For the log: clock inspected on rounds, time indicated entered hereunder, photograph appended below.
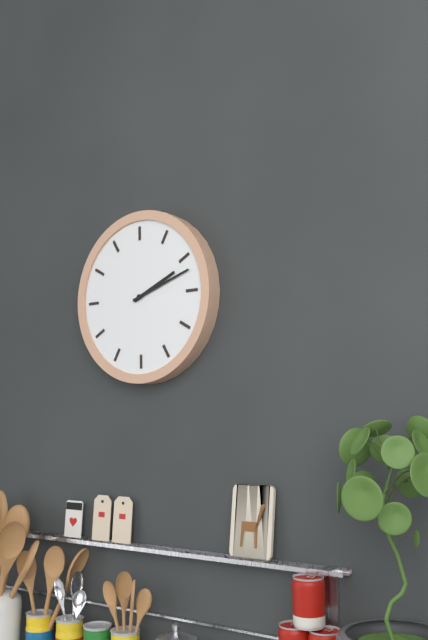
2:12
